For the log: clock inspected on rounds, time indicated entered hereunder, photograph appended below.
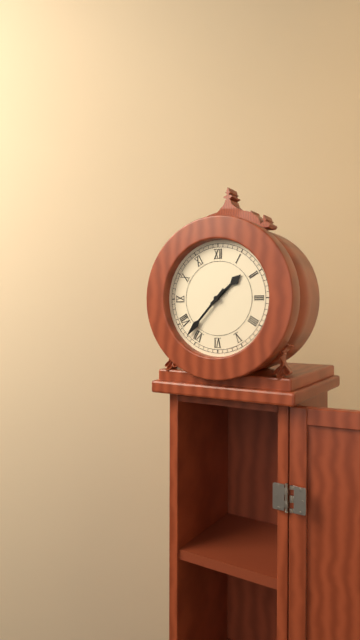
1:37
